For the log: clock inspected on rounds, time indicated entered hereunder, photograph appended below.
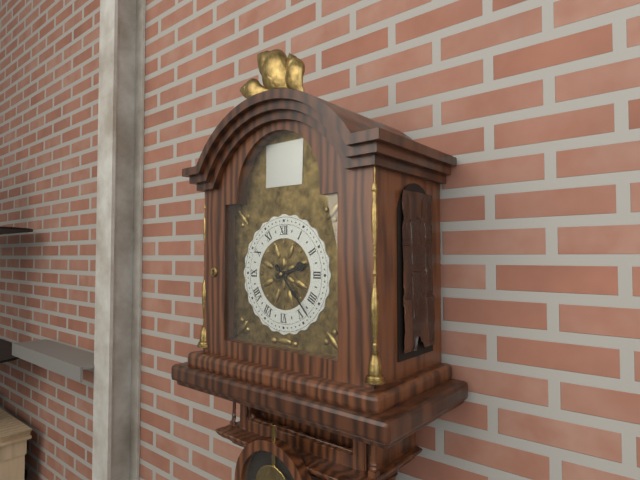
2:23
